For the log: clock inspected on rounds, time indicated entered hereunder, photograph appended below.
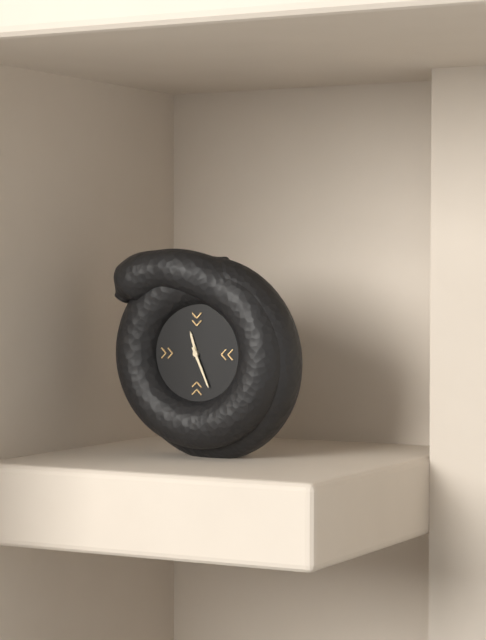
11:26
